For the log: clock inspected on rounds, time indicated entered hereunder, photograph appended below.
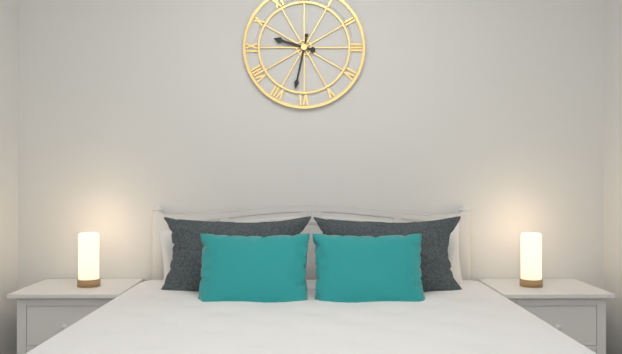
9:32
